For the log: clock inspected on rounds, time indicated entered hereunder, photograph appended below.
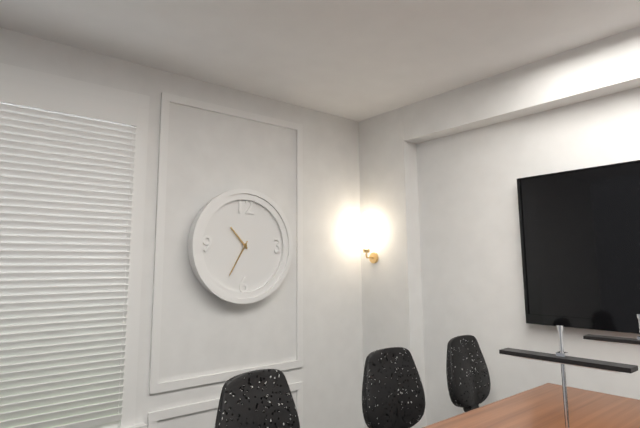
10:35
